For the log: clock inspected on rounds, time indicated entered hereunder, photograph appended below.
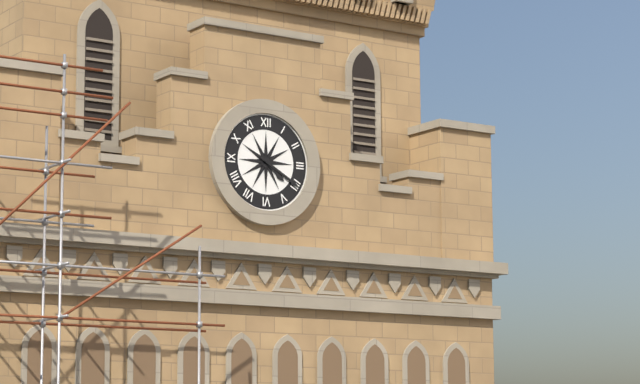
4:20
